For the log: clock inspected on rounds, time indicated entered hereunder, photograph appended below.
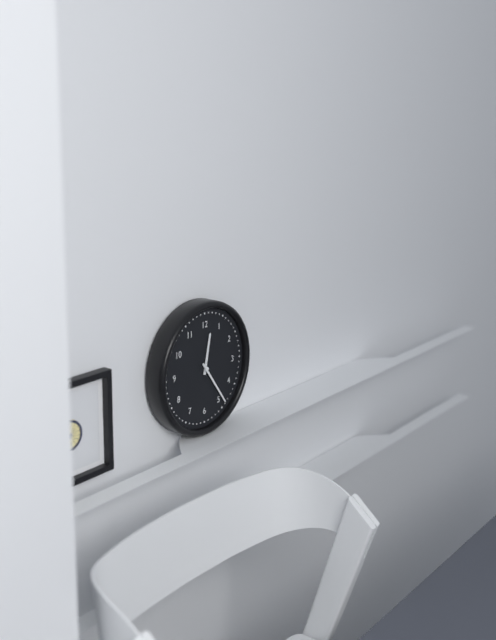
12:24
